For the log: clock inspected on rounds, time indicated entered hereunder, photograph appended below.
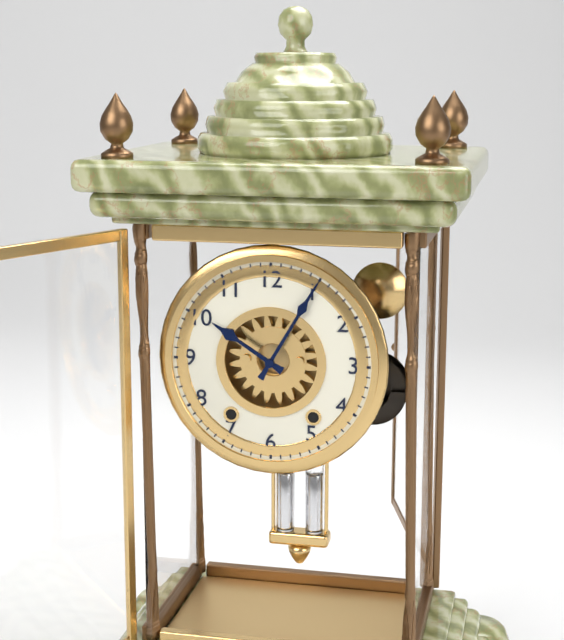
10:05
